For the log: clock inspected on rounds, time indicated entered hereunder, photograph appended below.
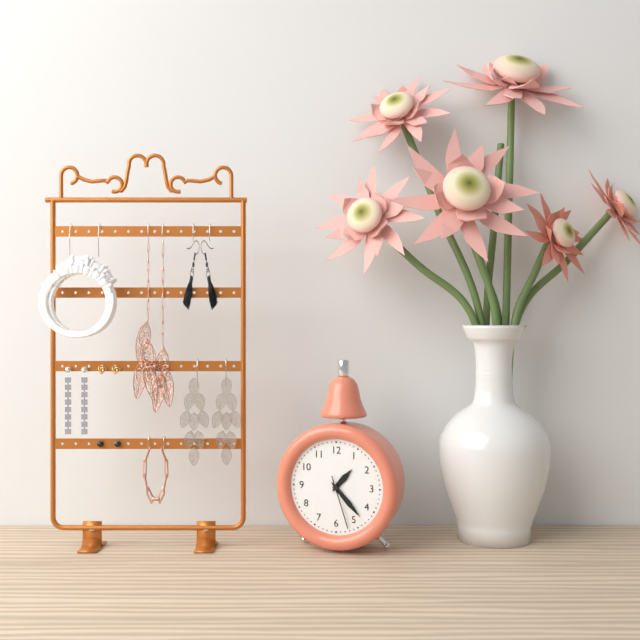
1:23:27
